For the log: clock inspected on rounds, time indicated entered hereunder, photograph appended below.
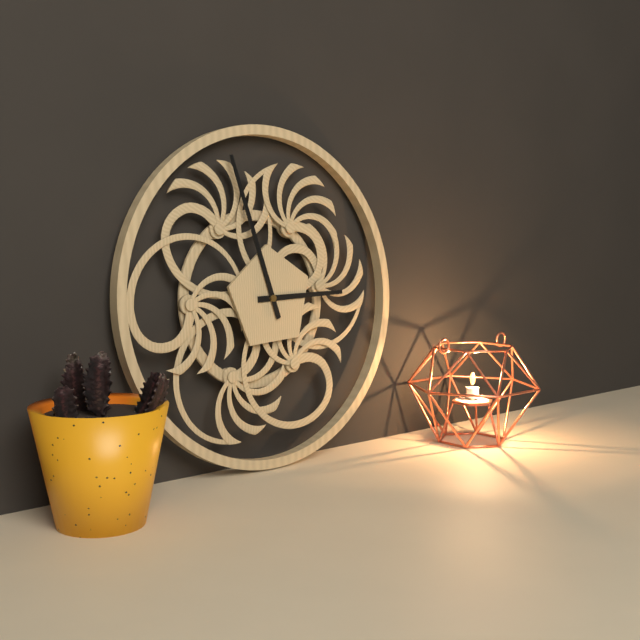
2:57
